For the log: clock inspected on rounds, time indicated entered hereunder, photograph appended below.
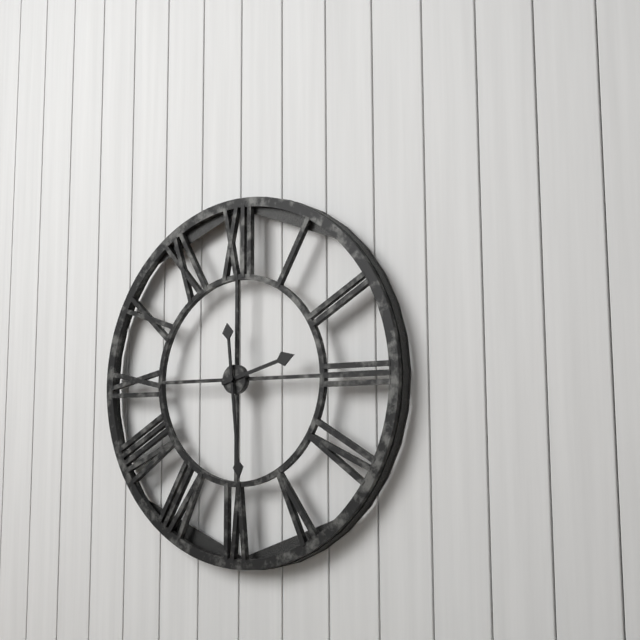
2:29
